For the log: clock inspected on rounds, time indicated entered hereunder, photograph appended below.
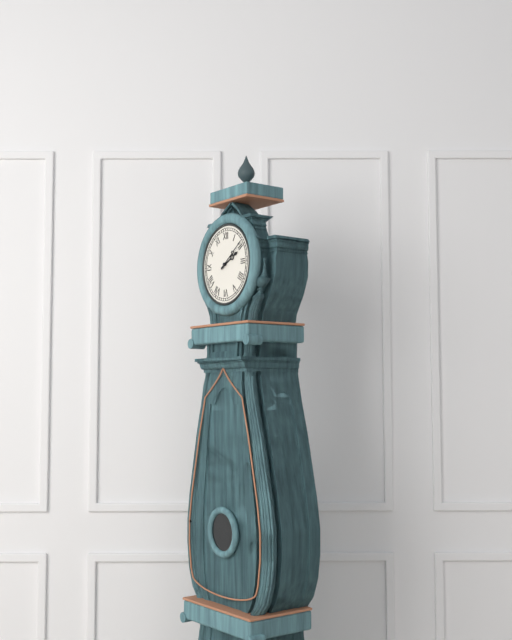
2:09
